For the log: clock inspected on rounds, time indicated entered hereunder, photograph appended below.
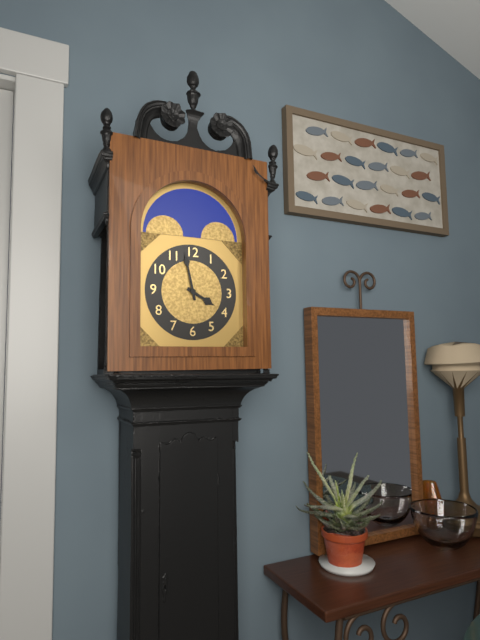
3:58
